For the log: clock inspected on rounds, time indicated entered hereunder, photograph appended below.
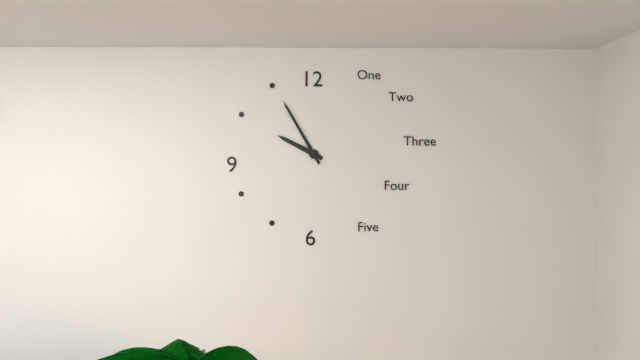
9:55
